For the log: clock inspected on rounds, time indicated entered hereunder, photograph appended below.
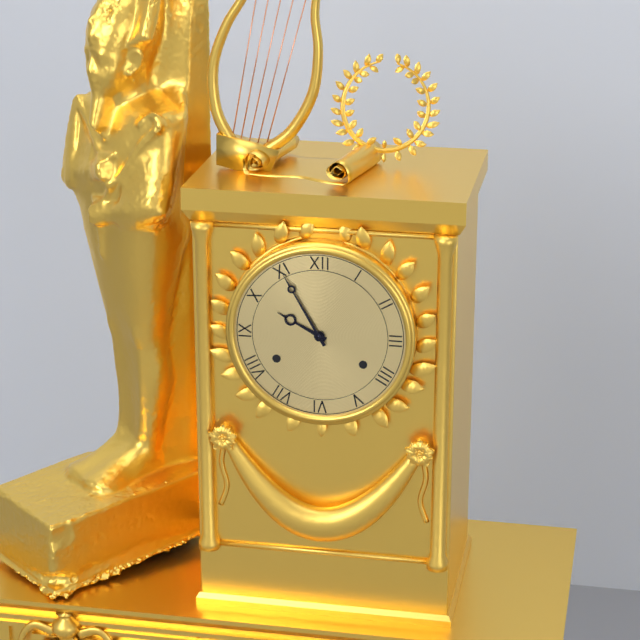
9:55
